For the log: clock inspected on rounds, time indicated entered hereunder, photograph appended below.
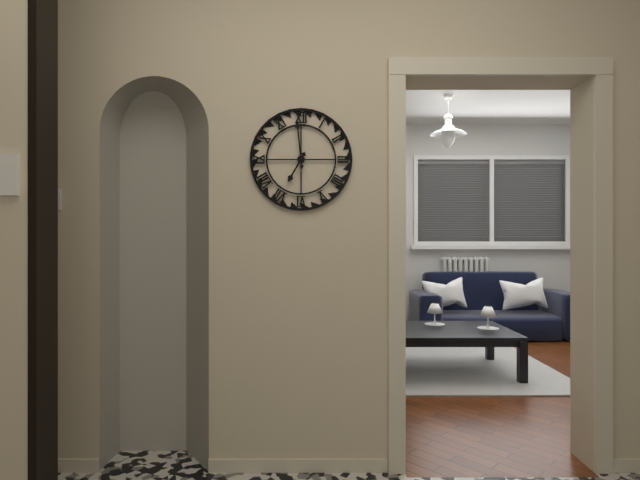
6:59
